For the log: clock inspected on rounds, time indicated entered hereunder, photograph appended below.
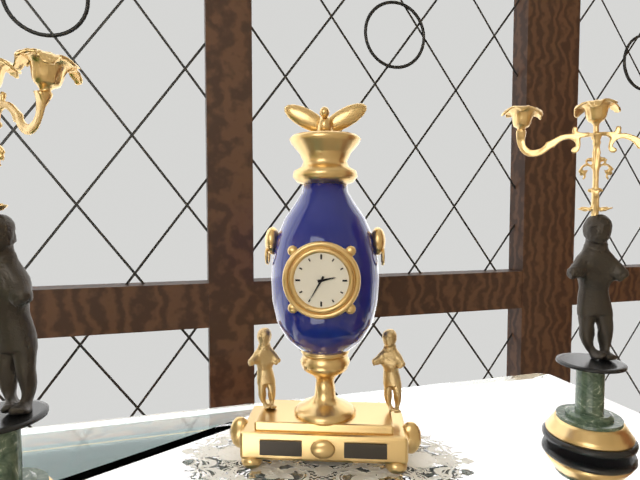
2:35
